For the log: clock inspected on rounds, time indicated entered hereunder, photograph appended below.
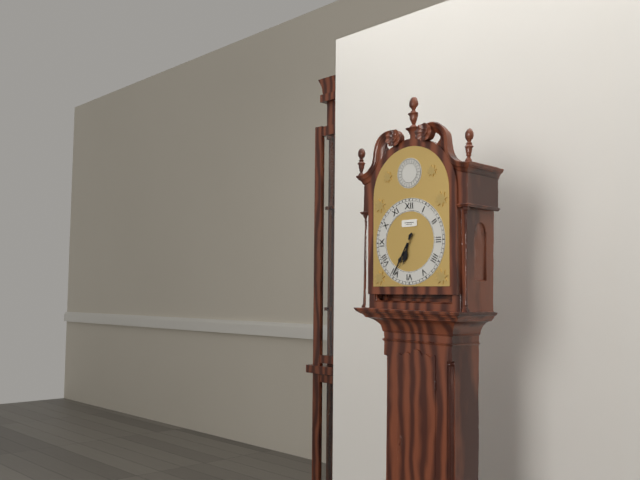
6:35
